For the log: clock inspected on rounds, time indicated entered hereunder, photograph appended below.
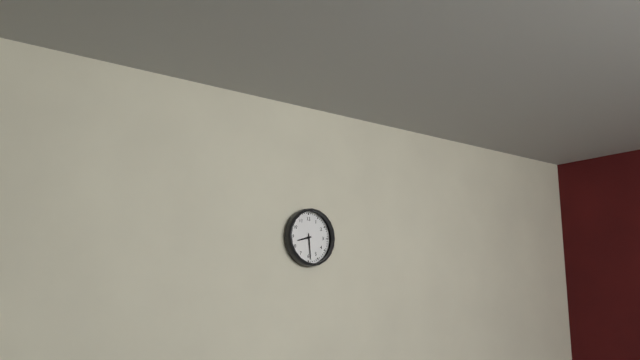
8:29
